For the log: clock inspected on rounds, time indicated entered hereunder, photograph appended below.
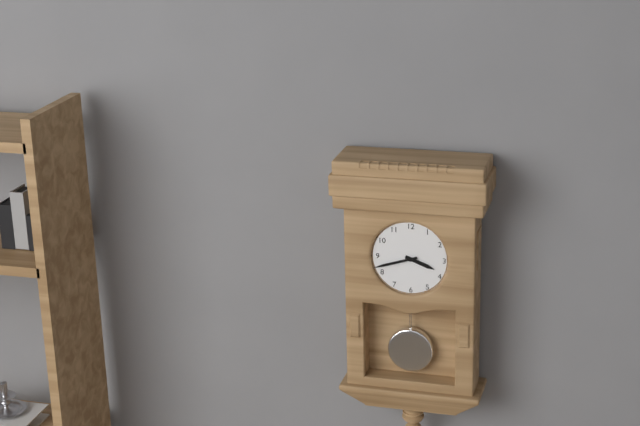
3:42
